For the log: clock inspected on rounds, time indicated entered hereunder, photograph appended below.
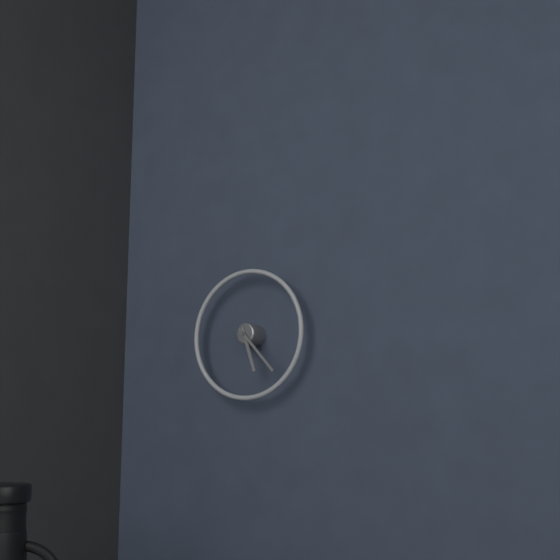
5:23
